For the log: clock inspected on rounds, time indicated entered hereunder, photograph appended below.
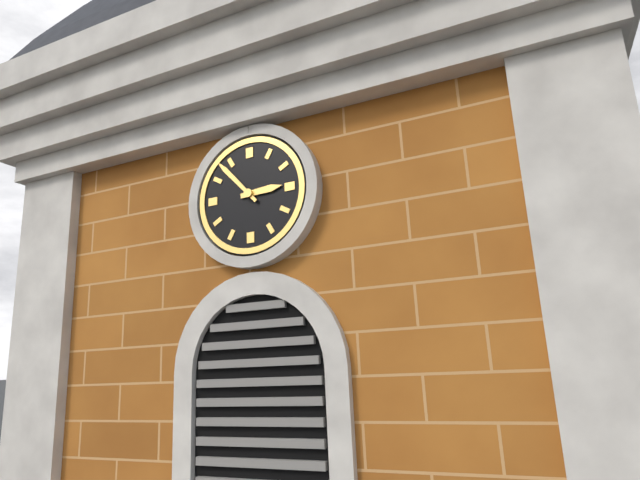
2:53
